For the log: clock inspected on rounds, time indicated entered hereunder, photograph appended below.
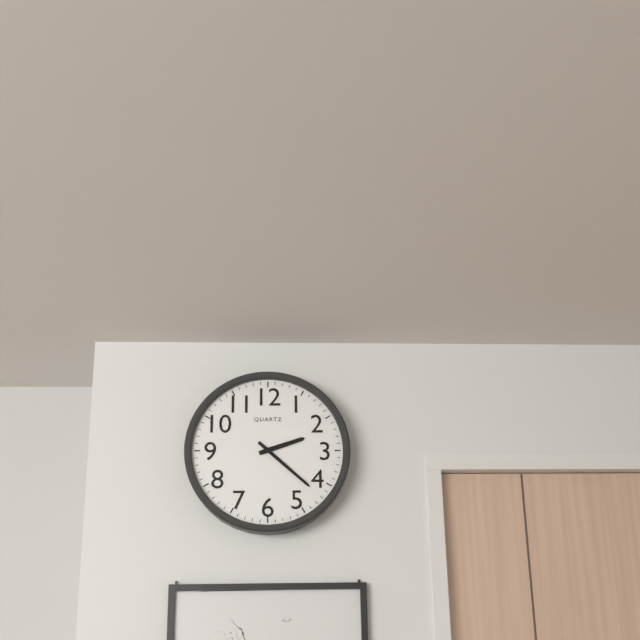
2:22
